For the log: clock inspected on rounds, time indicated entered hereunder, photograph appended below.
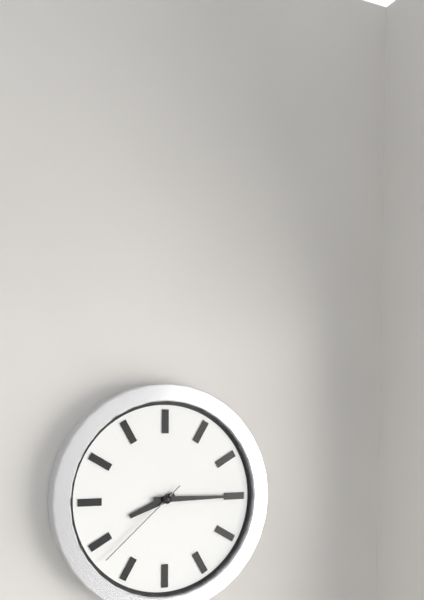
8:15:38
